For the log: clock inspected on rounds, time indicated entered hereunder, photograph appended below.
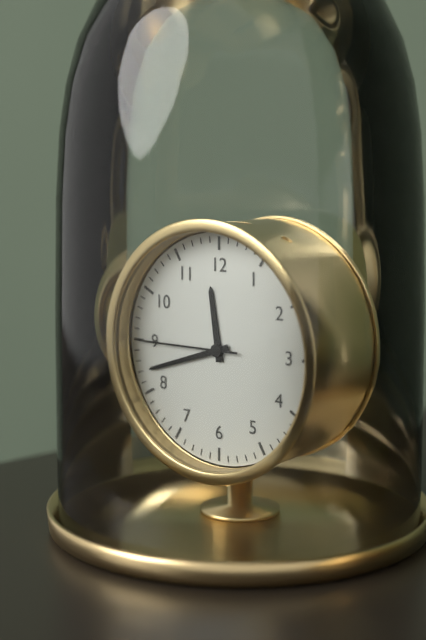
11:42:45
